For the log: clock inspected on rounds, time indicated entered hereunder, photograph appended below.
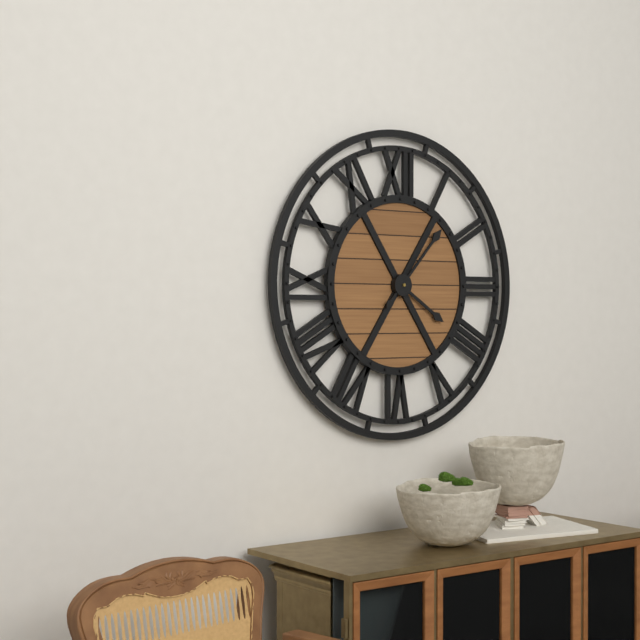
4:07
